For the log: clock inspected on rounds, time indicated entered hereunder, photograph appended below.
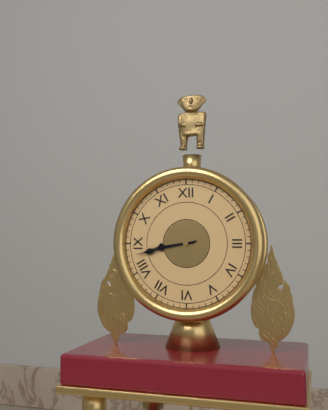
8:43
